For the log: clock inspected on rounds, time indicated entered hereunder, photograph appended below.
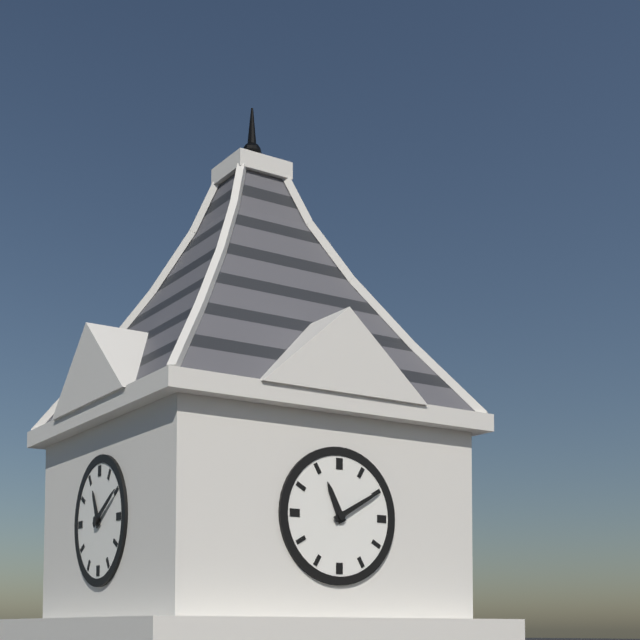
11:10
